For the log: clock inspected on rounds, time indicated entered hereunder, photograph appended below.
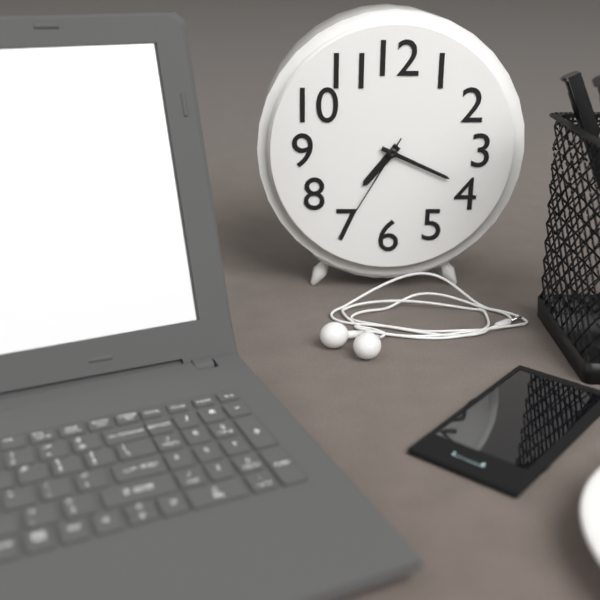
7:19:35
